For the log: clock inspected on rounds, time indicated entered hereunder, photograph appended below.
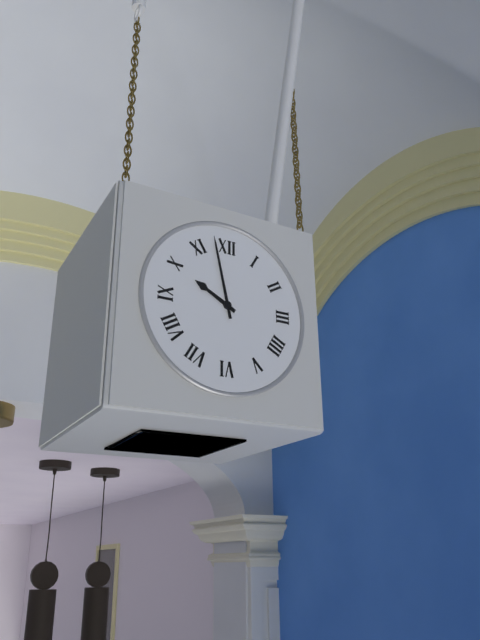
9:58
